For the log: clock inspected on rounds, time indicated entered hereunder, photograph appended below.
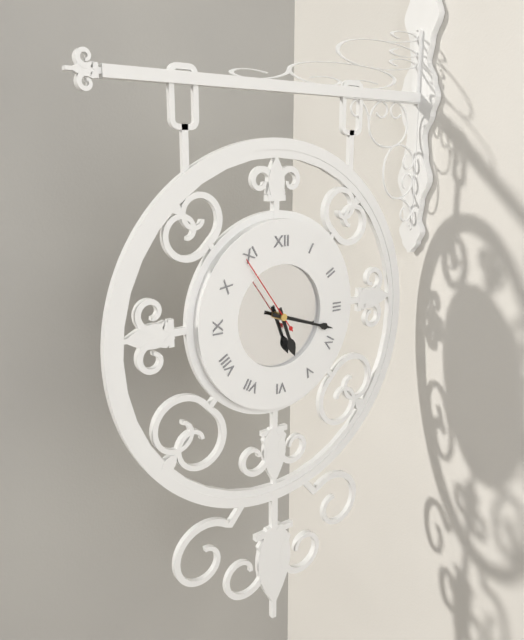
5:18:54
